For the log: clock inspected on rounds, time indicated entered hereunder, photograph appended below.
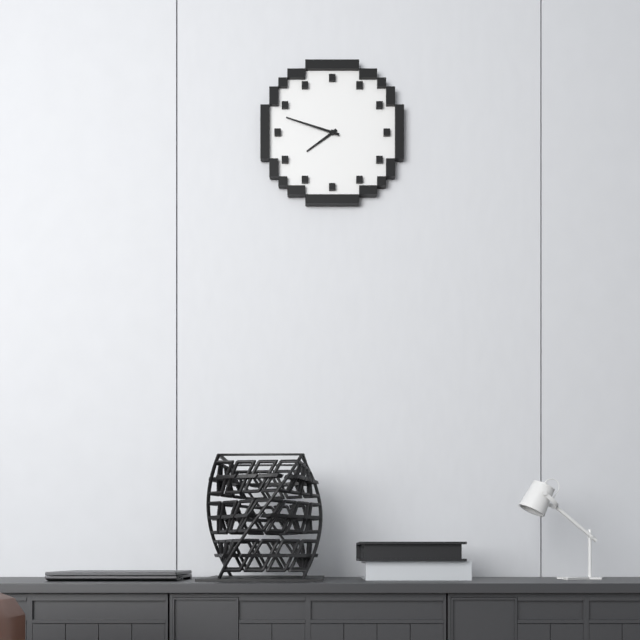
7:48
